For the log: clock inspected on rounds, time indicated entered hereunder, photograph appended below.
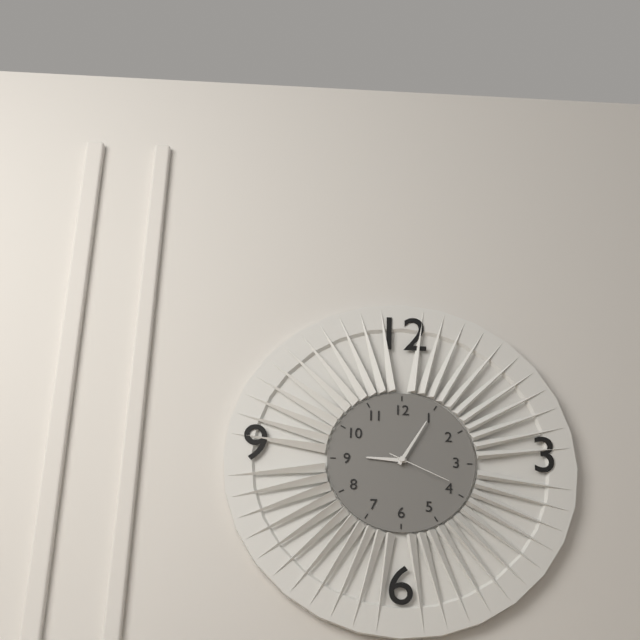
9:05:19
